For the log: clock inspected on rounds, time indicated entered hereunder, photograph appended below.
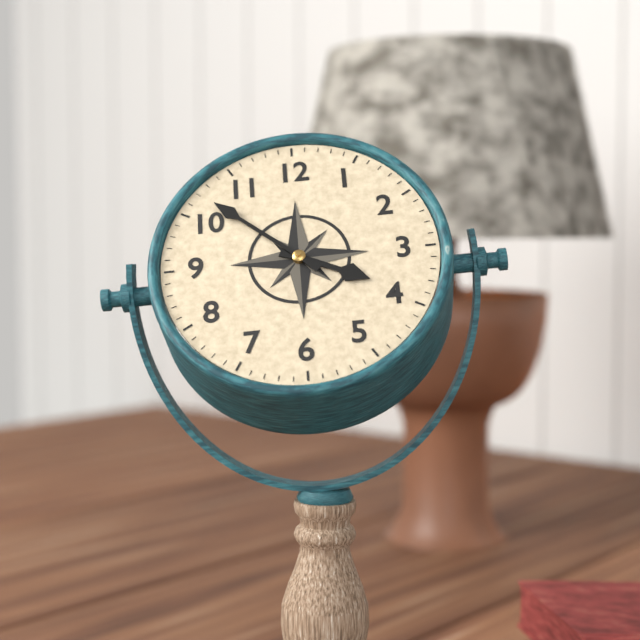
3:52
